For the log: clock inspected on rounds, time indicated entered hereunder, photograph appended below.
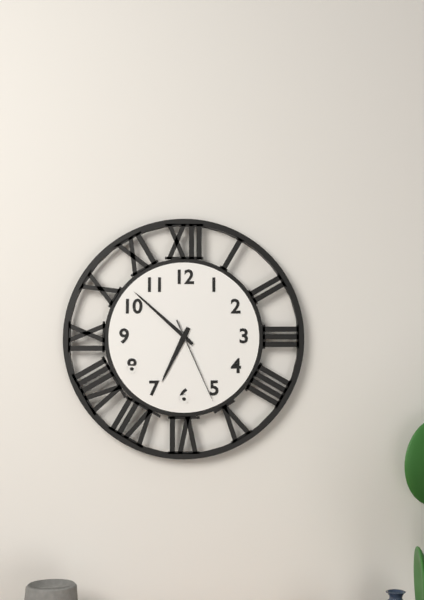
6:52:26
